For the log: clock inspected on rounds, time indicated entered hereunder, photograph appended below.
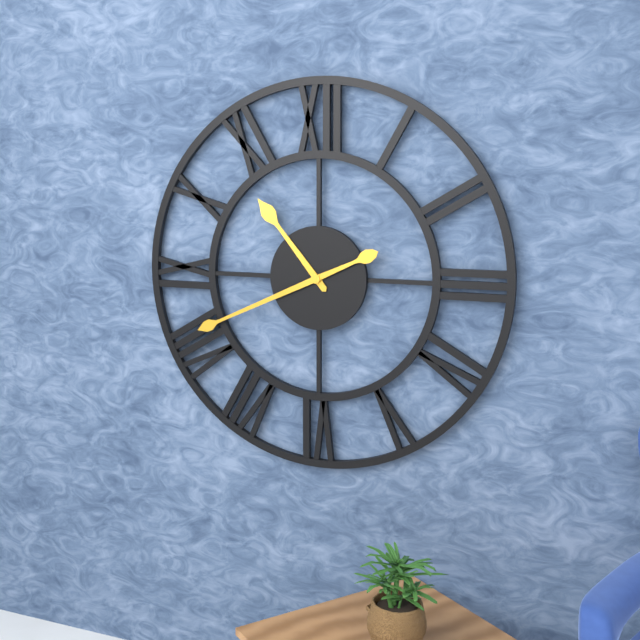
10:41
